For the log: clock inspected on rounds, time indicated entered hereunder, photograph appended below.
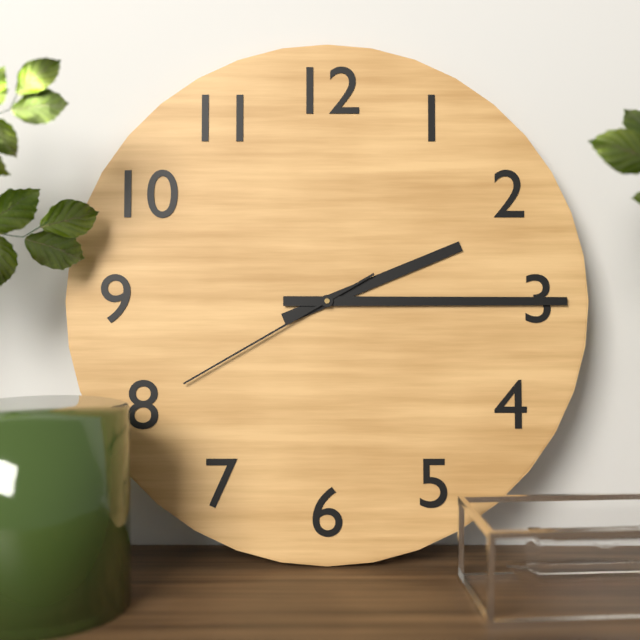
2:15:40
